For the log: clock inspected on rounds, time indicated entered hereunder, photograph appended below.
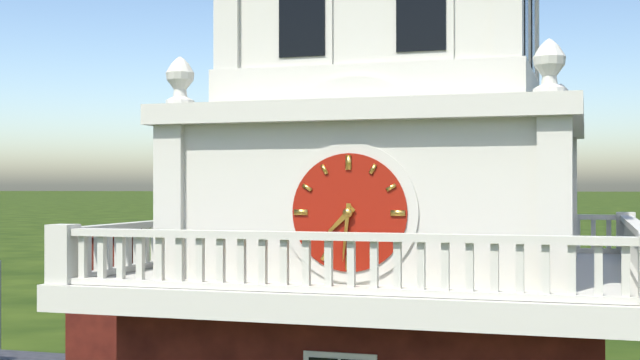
7:31
